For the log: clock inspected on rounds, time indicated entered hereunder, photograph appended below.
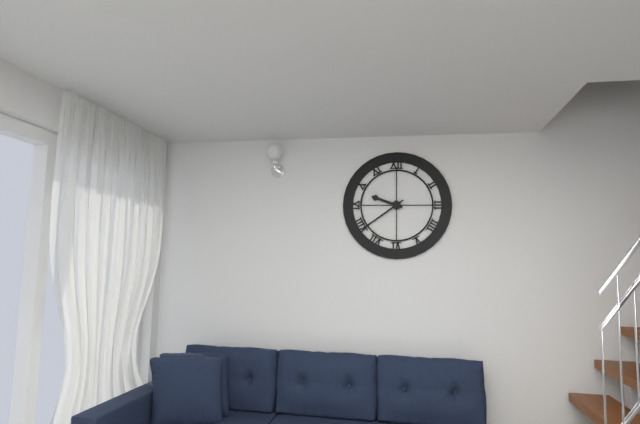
9:39
